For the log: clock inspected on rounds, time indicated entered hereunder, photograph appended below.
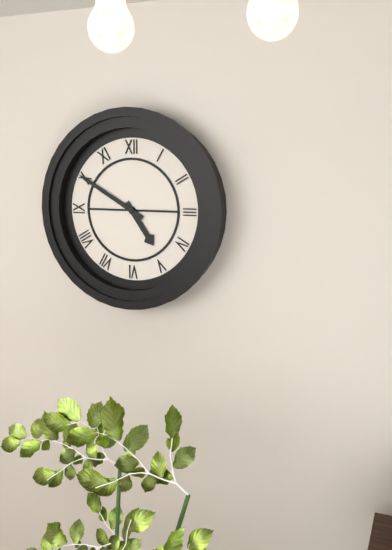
4:50
